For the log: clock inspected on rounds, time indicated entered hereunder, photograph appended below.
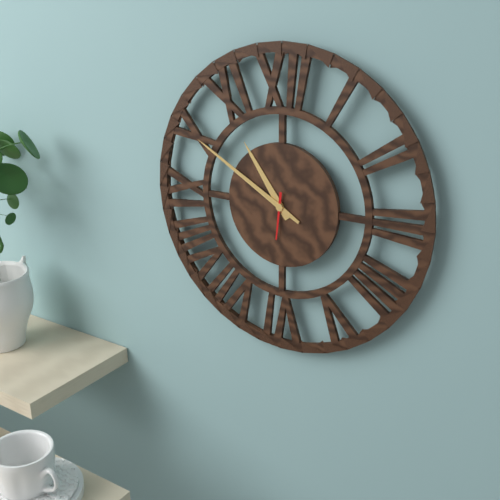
10:50
